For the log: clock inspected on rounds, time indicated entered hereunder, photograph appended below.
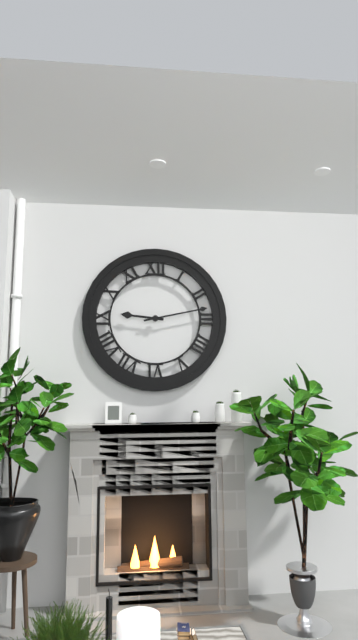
9:13
